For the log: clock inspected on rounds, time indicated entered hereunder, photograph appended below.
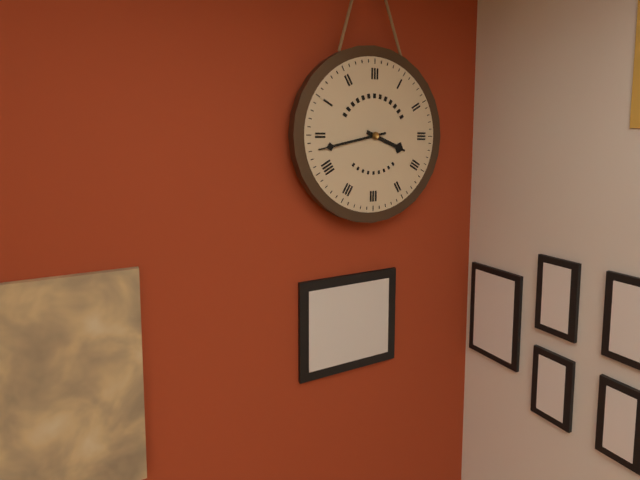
3:43
